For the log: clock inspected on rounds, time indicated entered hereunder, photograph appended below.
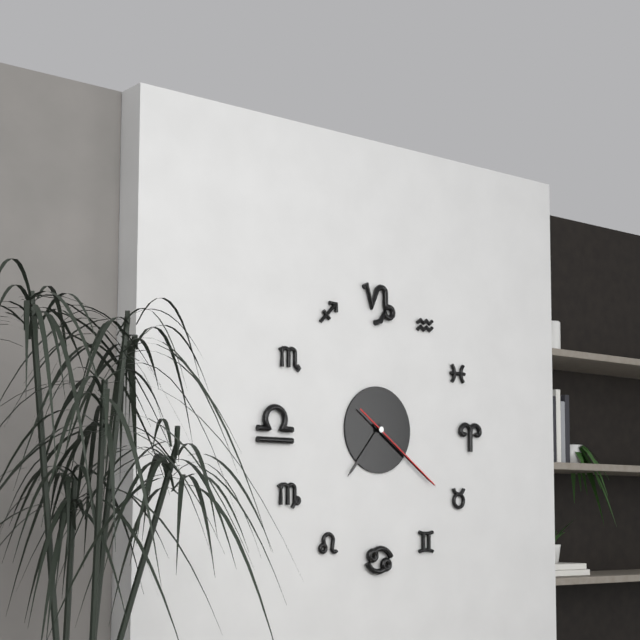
7:21:21
